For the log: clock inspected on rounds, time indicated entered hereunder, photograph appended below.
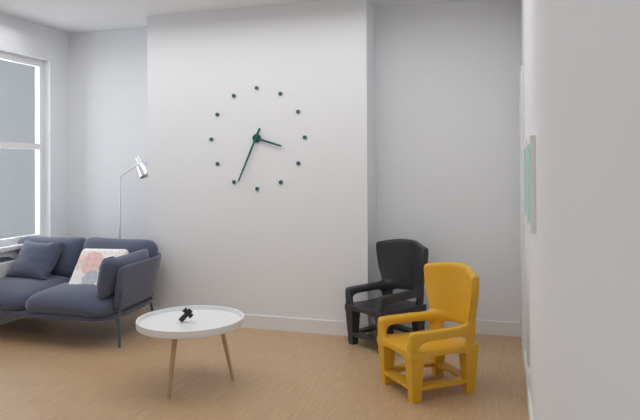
3:34
